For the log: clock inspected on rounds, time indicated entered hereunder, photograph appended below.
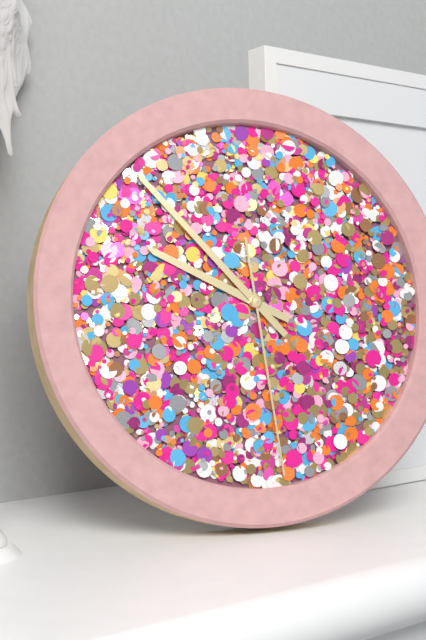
9:53:29
